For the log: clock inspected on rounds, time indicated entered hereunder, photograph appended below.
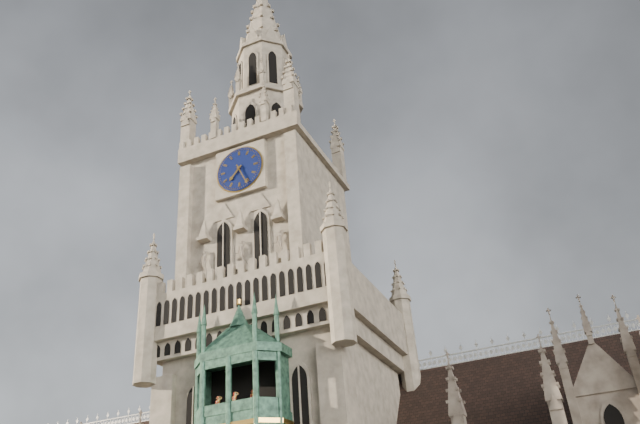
7:26
